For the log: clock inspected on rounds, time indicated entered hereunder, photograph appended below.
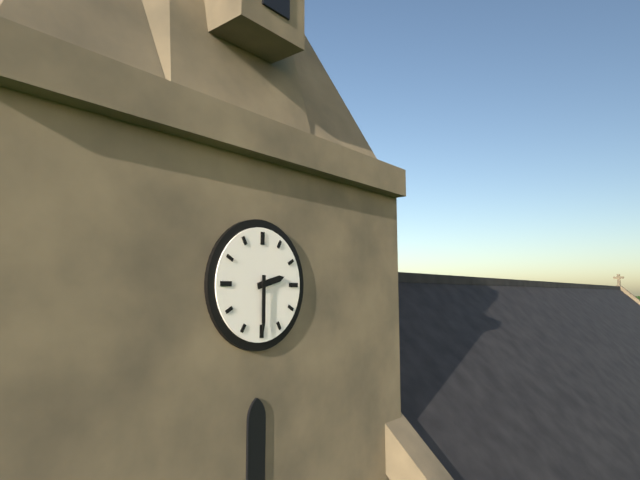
2:30
